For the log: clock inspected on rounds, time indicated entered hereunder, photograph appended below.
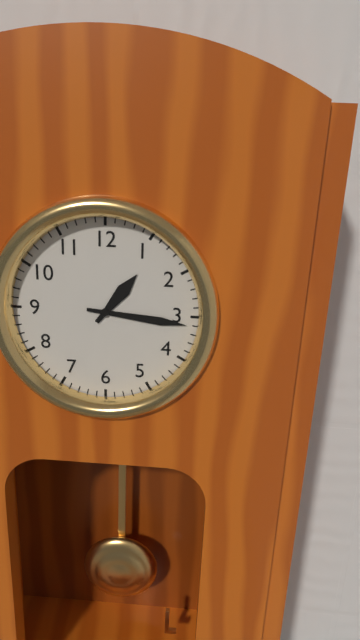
1:16
